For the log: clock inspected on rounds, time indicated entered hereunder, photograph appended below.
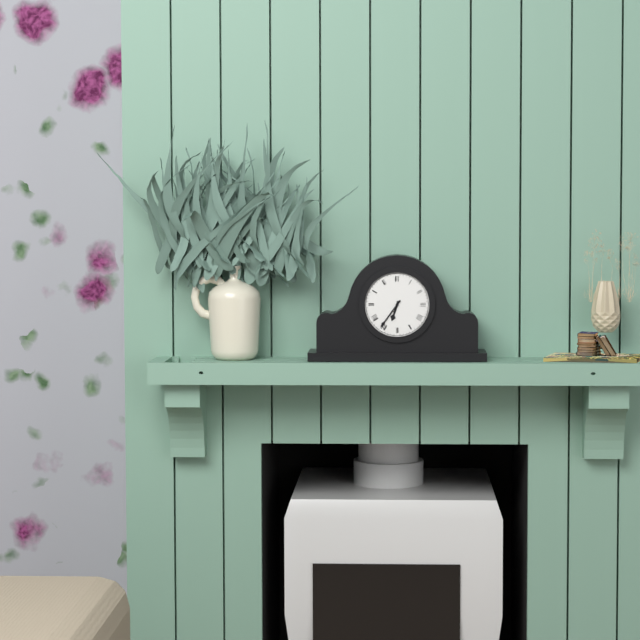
6:36
